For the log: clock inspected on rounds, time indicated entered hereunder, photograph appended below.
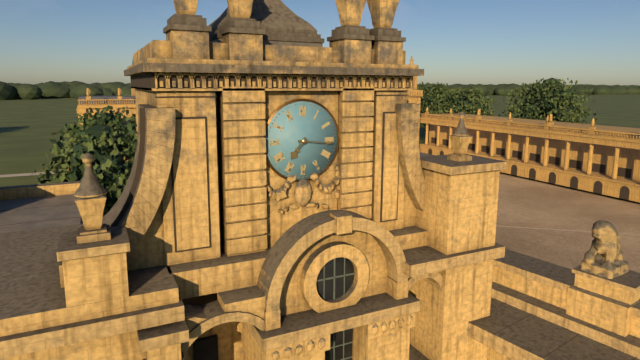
7:16
